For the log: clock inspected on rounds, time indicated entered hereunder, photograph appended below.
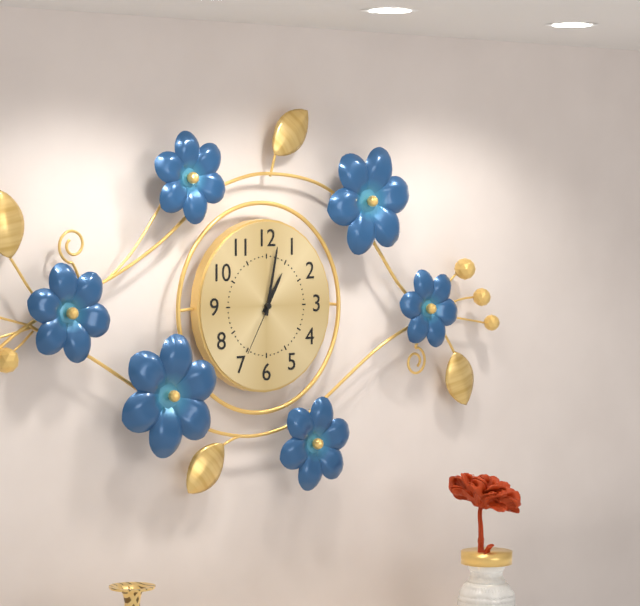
1:02:35
